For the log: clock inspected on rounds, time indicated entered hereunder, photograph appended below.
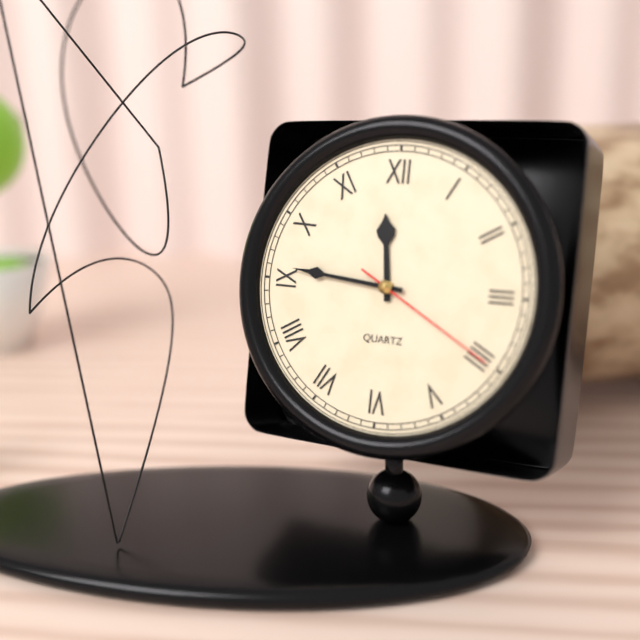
11:46:20
